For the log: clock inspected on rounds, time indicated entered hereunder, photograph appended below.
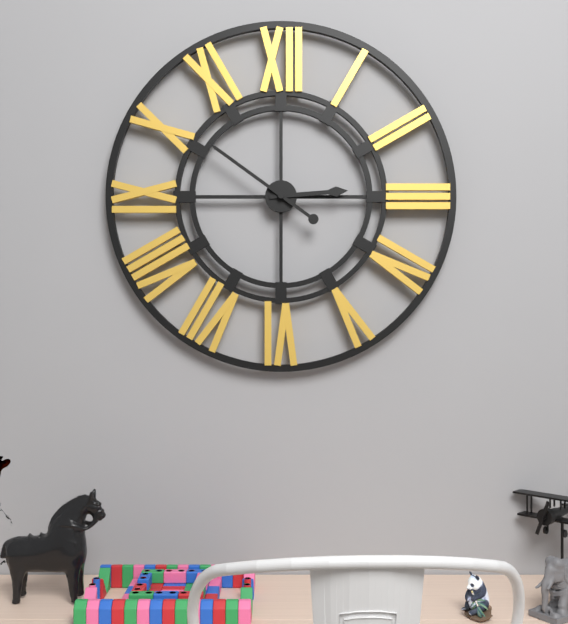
2:51
